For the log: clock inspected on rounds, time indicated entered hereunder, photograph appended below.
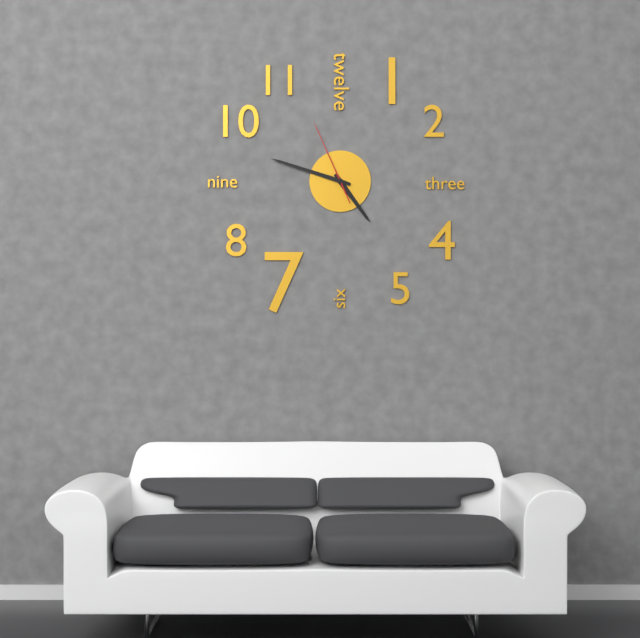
4:48:56
